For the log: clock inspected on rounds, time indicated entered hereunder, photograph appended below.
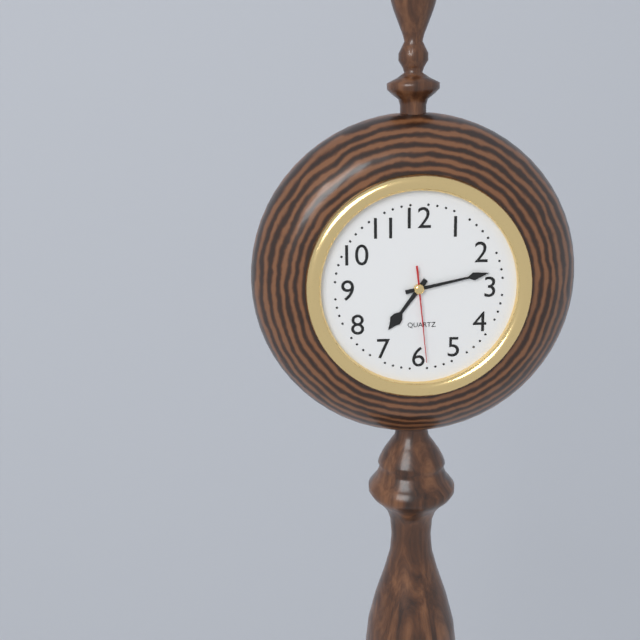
7:13:29
